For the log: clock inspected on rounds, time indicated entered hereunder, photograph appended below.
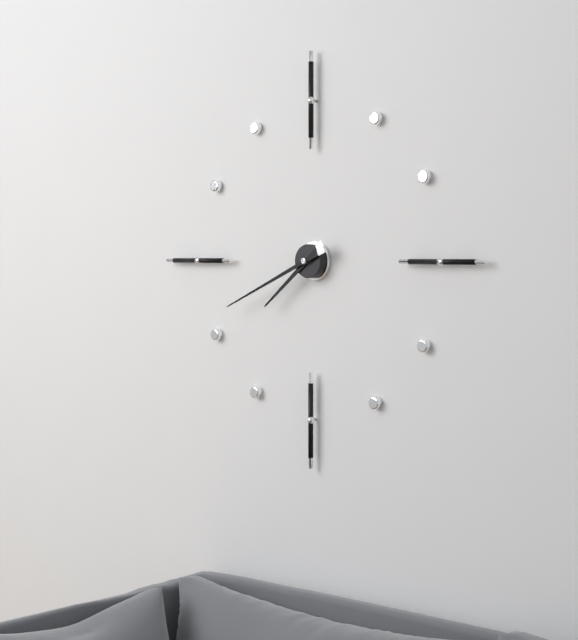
7:41
